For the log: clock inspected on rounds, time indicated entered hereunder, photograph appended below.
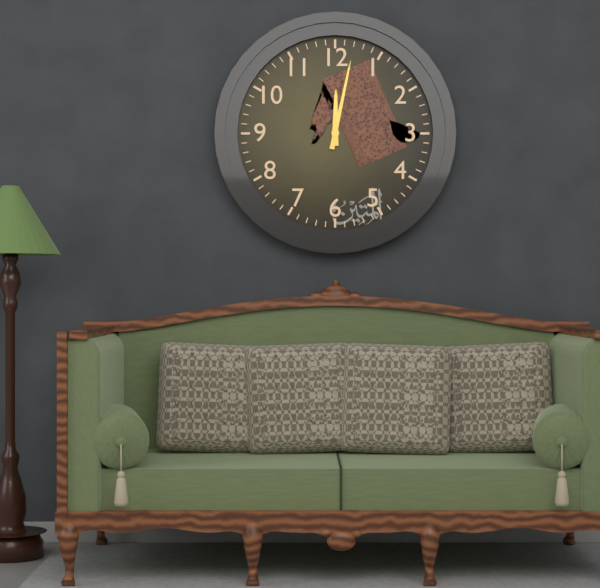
12:02
